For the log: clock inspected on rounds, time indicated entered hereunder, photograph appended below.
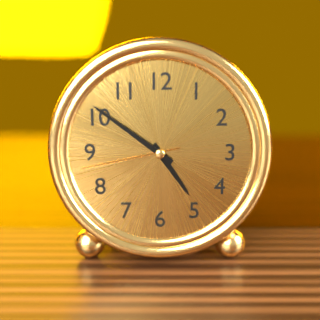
4:51:43
